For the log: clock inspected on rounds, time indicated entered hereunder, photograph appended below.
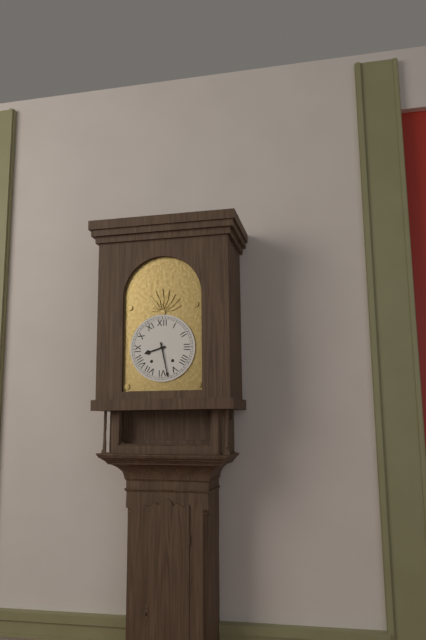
8:28
